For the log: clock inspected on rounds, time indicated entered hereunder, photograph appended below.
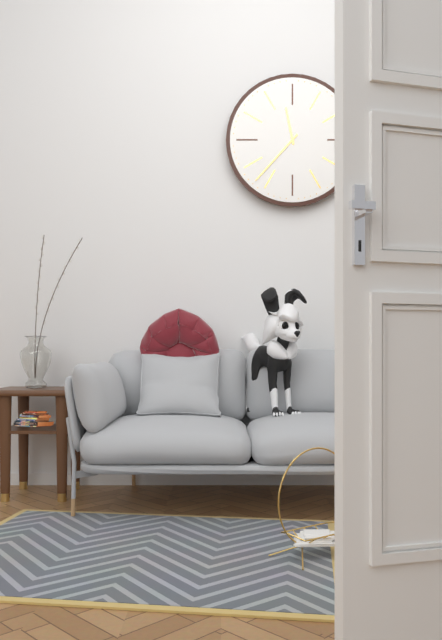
11:37
